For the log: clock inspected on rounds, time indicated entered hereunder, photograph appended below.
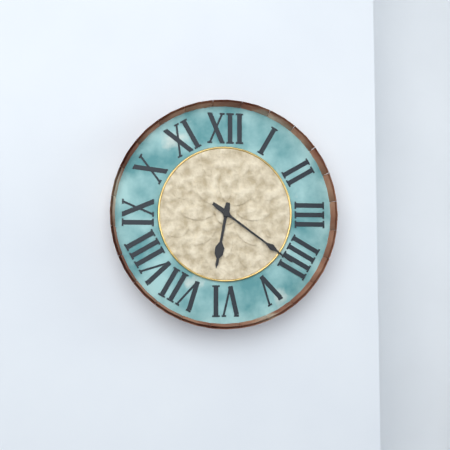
6:21
